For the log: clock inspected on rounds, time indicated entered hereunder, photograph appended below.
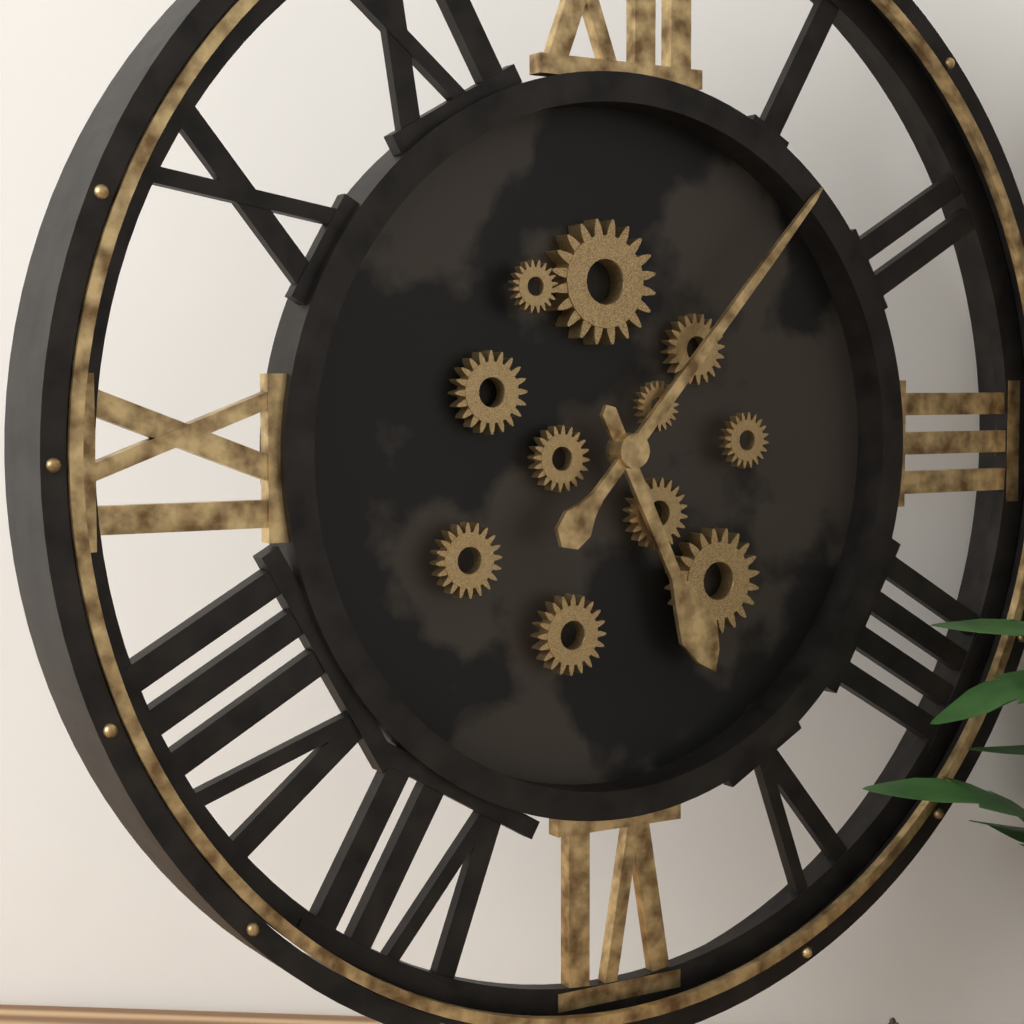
5:07
